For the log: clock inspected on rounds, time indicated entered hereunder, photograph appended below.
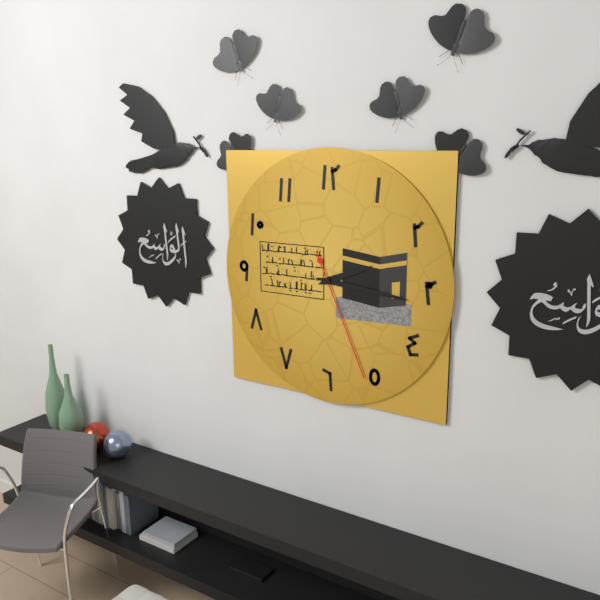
2:16:26
